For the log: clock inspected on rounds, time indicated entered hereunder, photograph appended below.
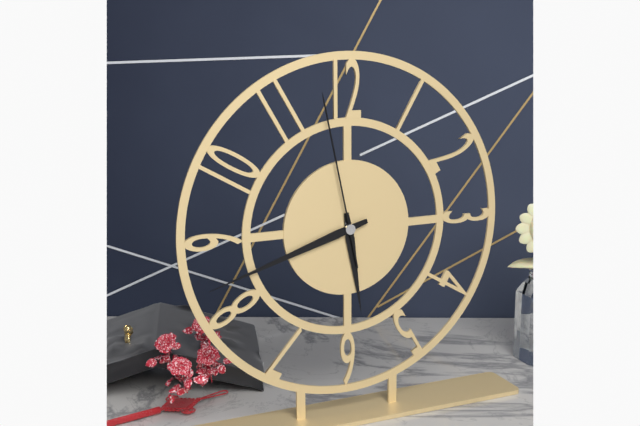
5:42:58
